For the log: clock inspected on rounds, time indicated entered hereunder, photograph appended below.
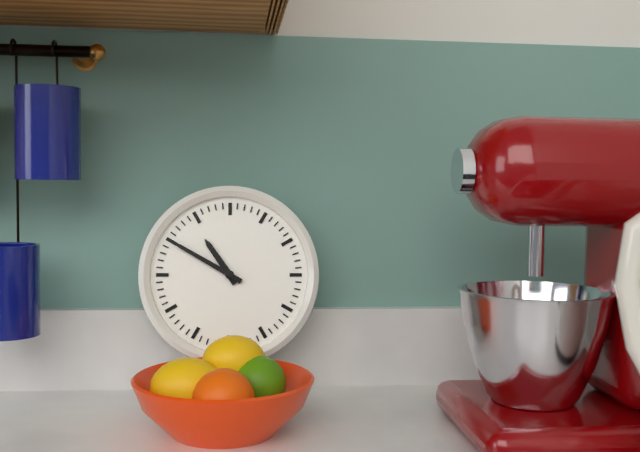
10:50
